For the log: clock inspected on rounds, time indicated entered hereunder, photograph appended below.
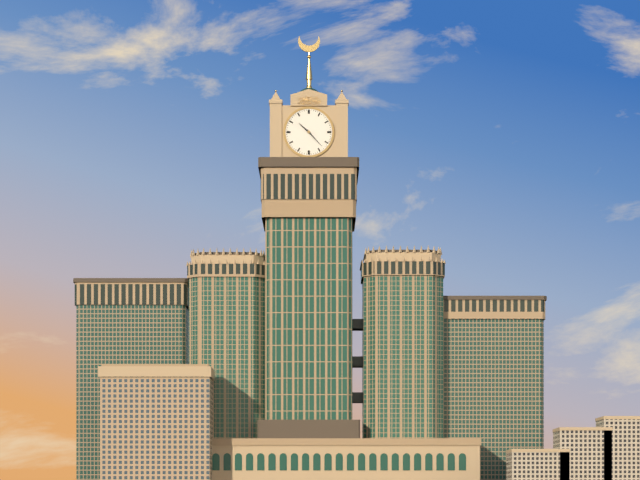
10:23
